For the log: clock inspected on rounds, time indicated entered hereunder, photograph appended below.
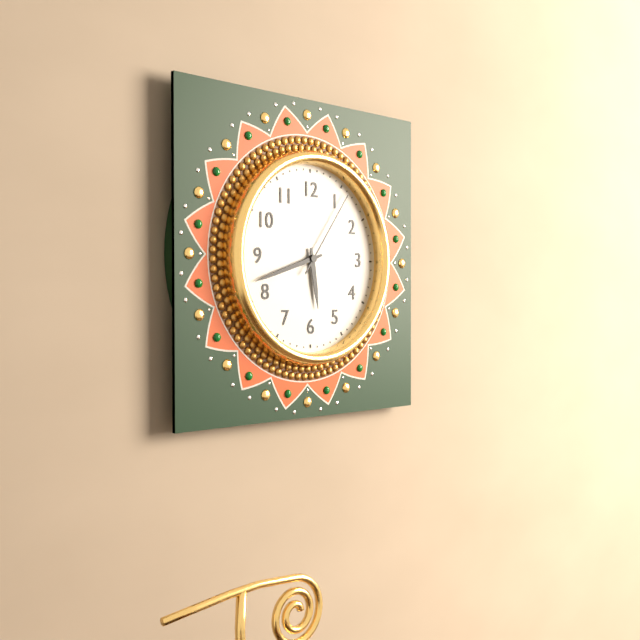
5:42:06
